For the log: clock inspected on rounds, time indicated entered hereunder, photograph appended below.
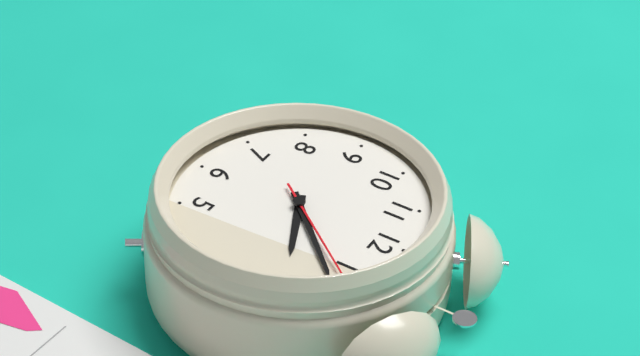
2:07:06
